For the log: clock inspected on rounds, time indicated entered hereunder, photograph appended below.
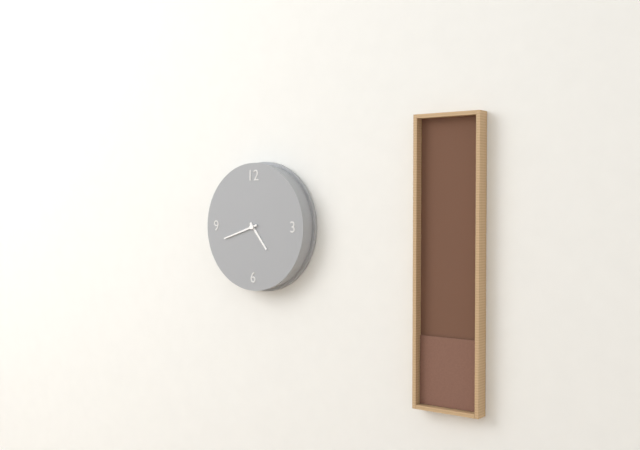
4:42
